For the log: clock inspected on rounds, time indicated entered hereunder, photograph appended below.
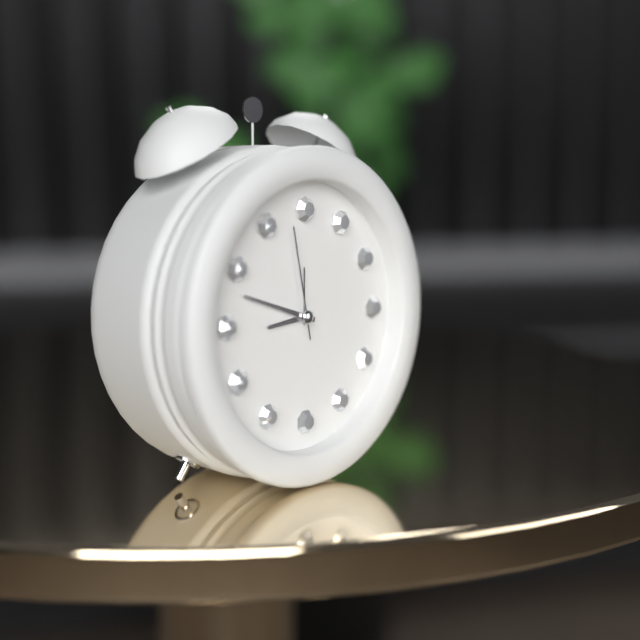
8:48:58
